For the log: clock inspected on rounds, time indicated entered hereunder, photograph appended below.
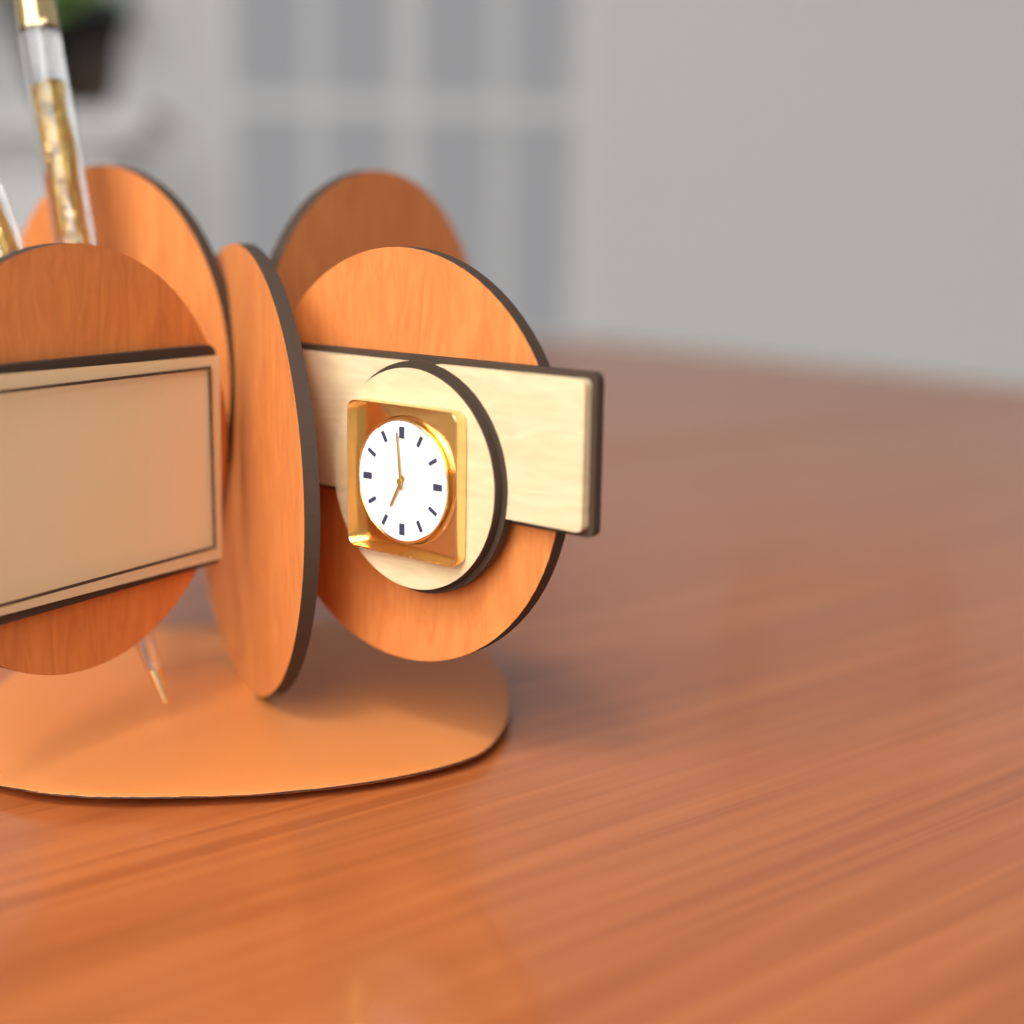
6:59
